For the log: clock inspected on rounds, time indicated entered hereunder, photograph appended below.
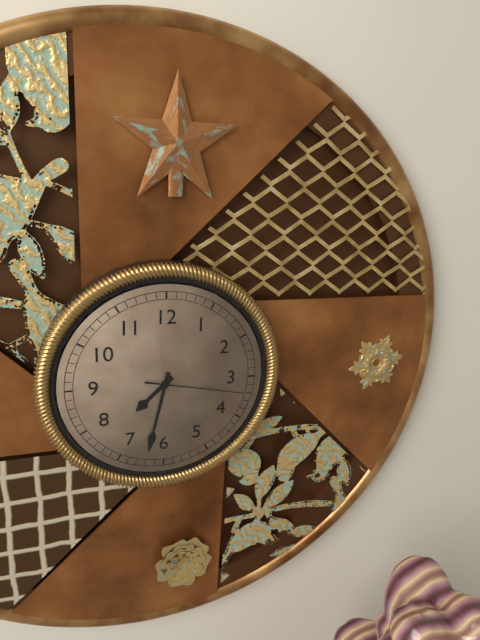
7:32:17
